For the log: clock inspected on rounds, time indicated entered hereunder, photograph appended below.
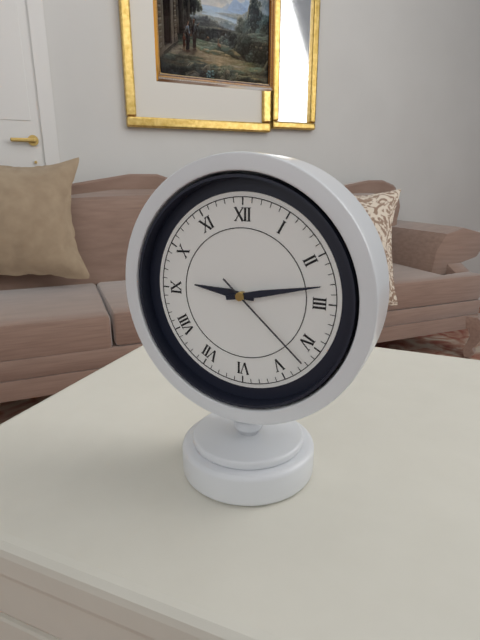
9:13:22
